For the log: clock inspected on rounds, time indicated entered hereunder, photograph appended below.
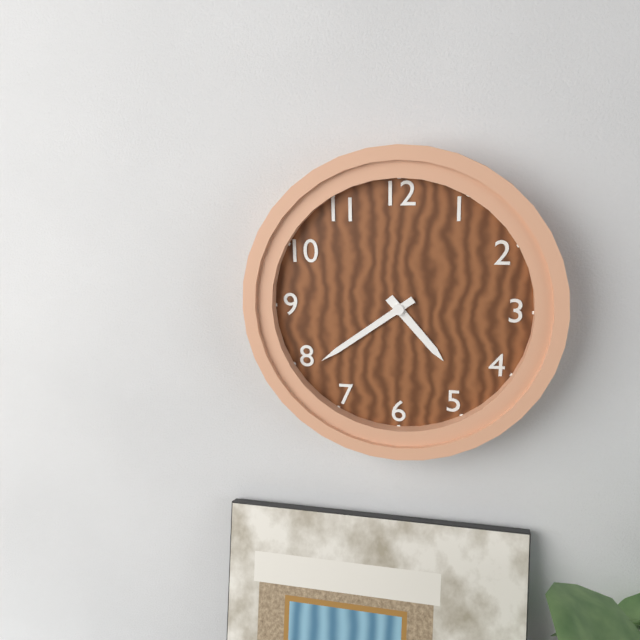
4:39
